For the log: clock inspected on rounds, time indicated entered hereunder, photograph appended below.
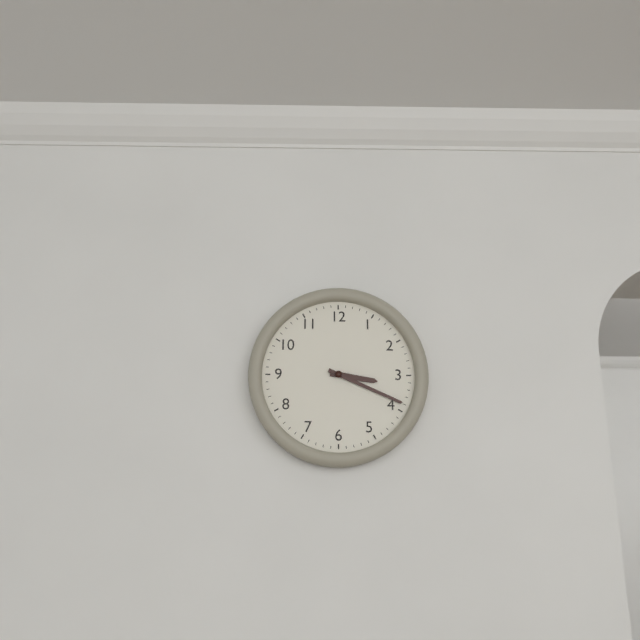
3:19
